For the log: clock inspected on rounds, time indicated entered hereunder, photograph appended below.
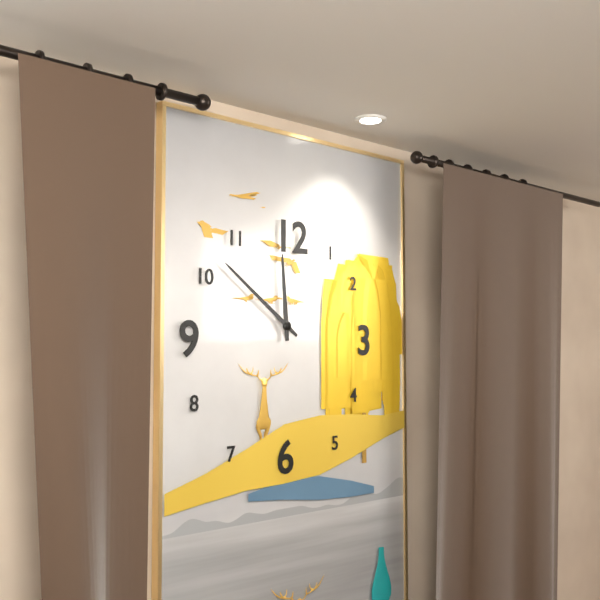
11:51
